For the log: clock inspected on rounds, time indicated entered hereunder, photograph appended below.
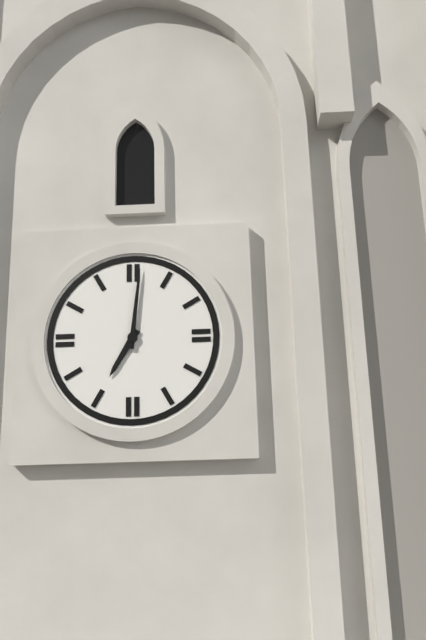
7:01
